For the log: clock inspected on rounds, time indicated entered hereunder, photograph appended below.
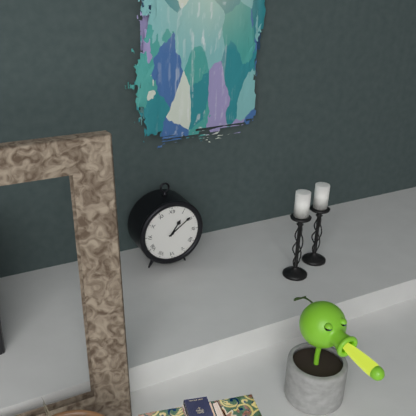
1:09
